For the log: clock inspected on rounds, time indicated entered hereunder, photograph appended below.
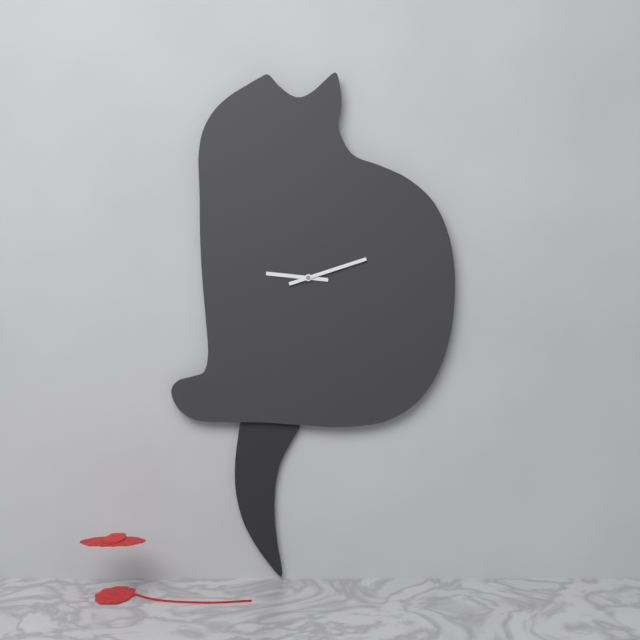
9:12
